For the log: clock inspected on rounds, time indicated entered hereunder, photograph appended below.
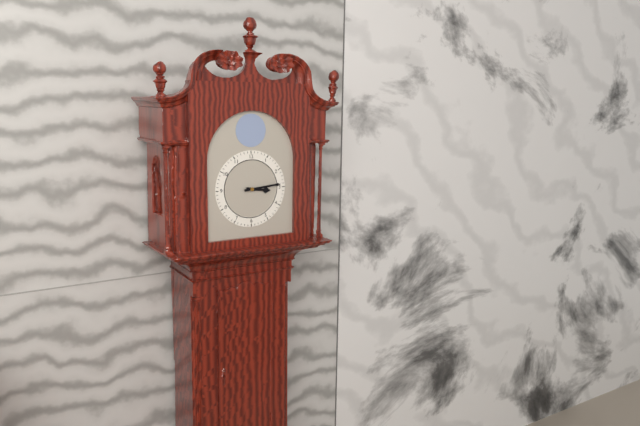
3:14
